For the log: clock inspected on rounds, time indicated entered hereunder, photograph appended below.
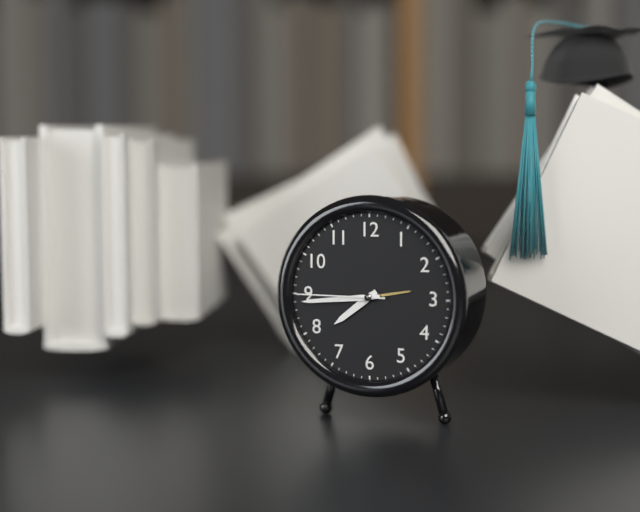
7:44:45
